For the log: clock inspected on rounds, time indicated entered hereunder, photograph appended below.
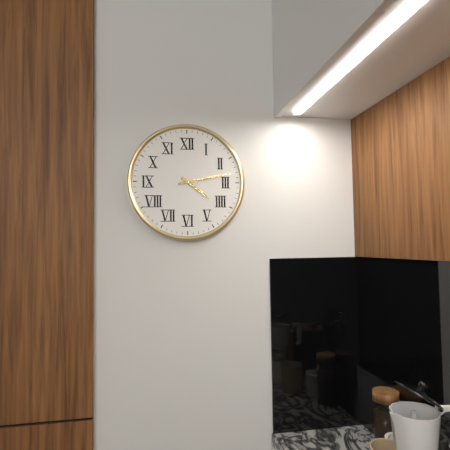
4:13
